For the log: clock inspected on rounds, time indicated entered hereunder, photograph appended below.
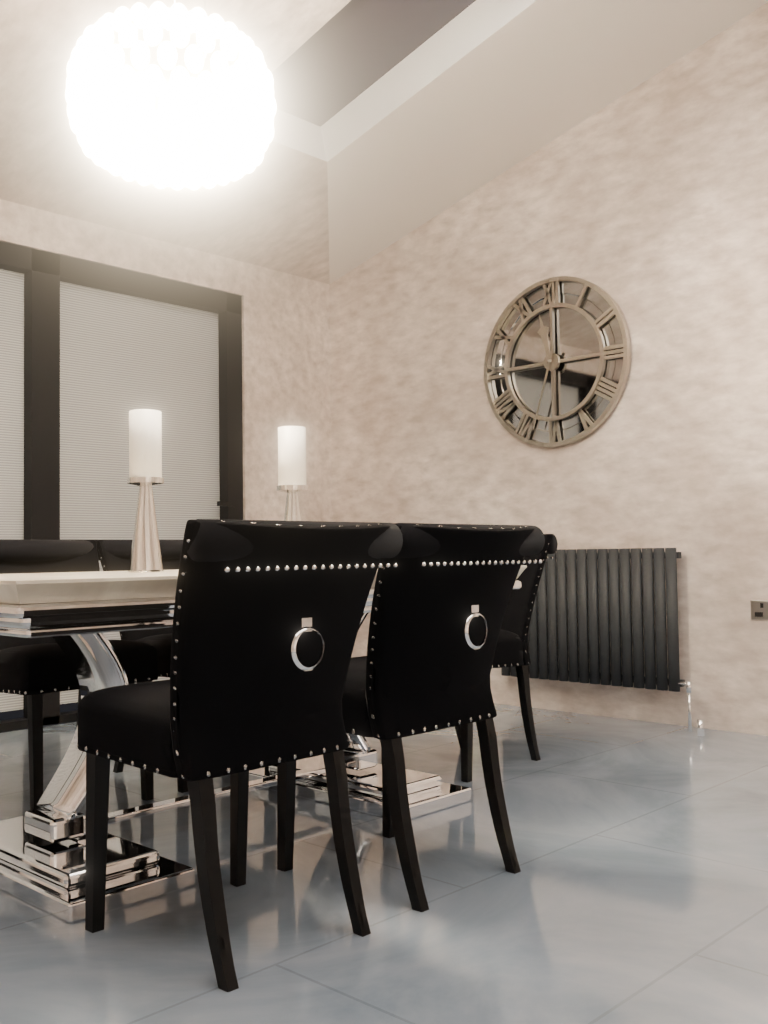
11:33
